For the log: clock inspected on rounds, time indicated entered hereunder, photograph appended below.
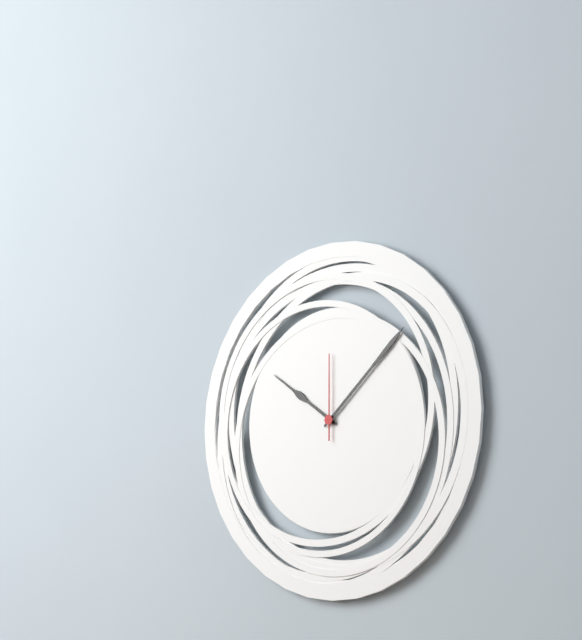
10:08:00
